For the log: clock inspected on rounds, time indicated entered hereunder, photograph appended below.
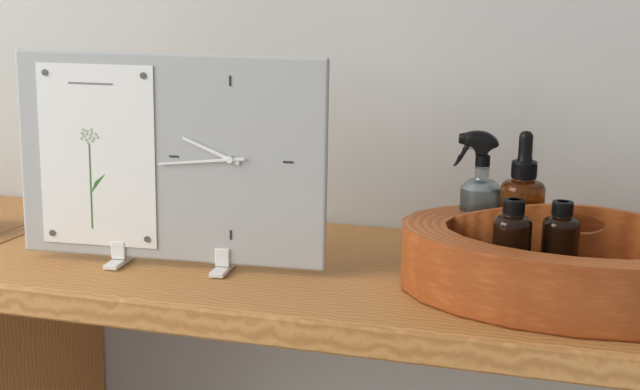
9:44
